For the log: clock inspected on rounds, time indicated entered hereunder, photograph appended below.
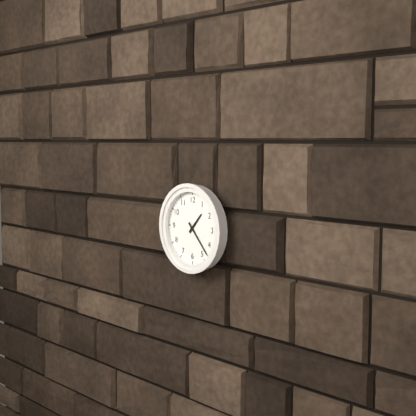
1:23
